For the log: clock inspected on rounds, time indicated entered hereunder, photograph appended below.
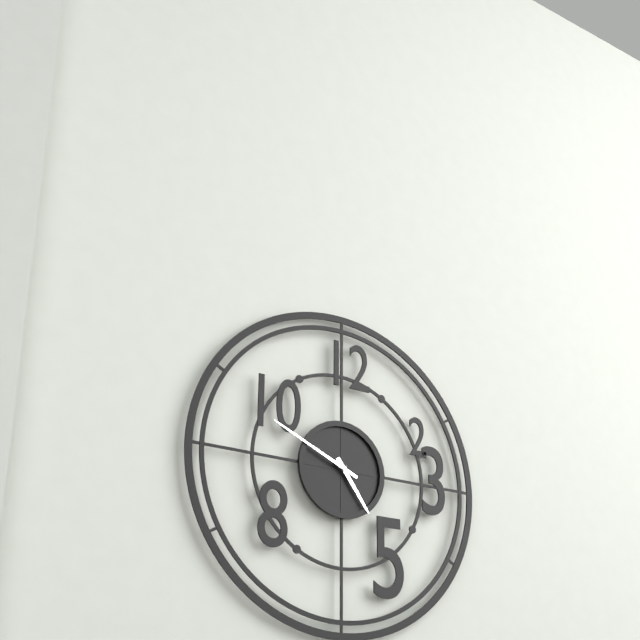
4:49
